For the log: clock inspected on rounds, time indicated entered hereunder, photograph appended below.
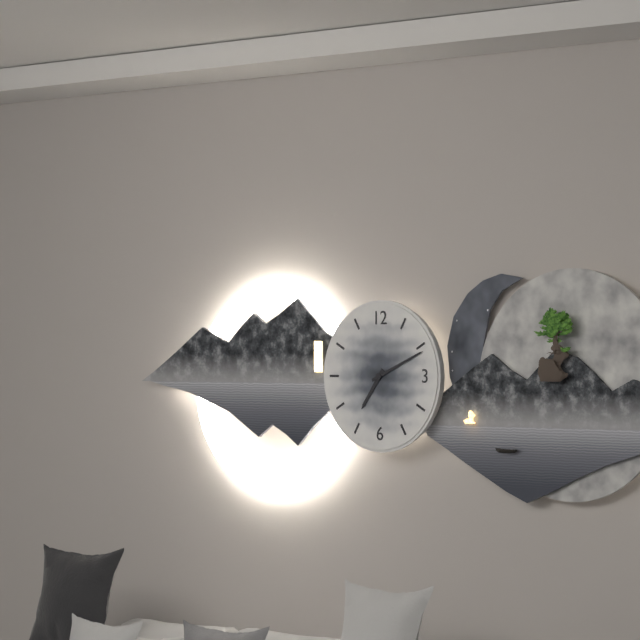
7:11
